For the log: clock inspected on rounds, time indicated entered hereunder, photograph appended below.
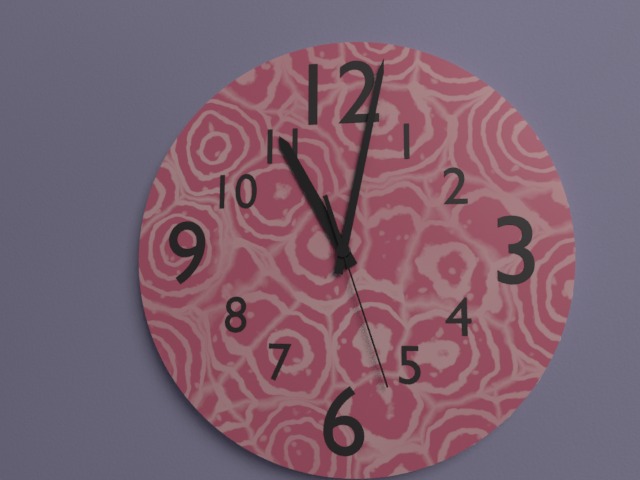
11:02:27
